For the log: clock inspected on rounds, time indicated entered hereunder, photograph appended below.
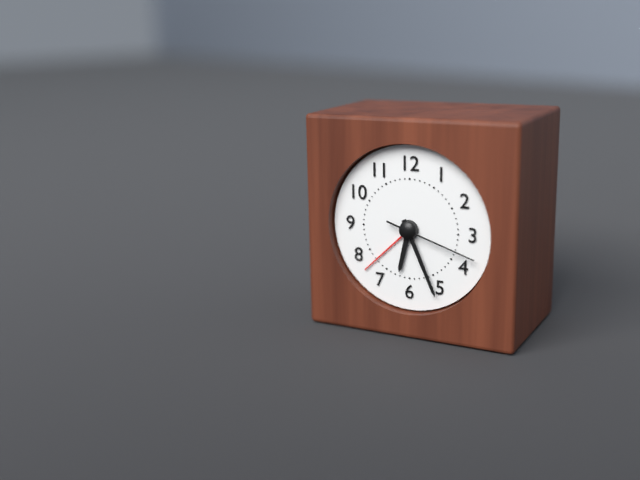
6:26:18
